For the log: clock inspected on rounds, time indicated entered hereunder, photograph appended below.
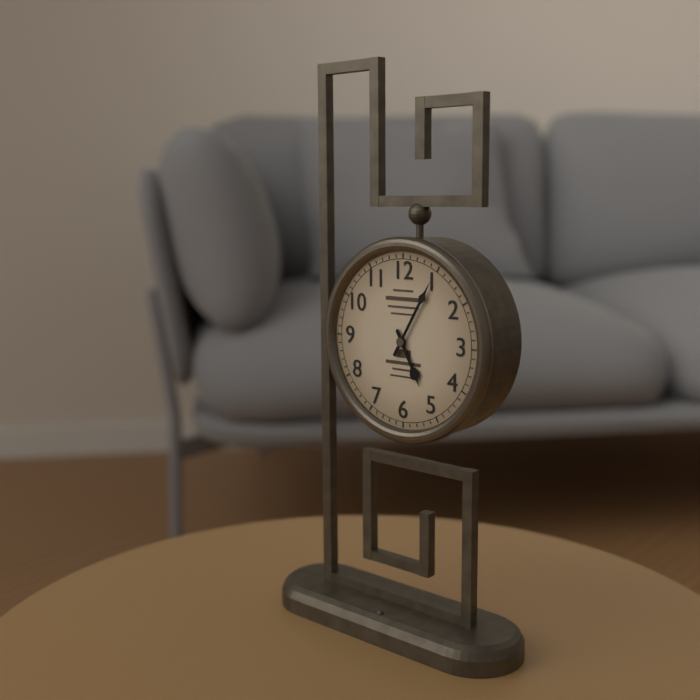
5:05
